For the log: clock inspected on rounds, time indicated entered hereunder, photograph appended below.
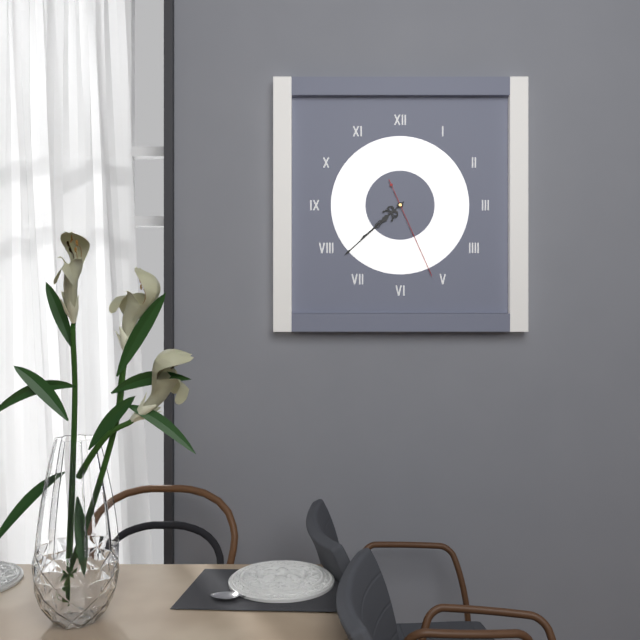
7:38:26
